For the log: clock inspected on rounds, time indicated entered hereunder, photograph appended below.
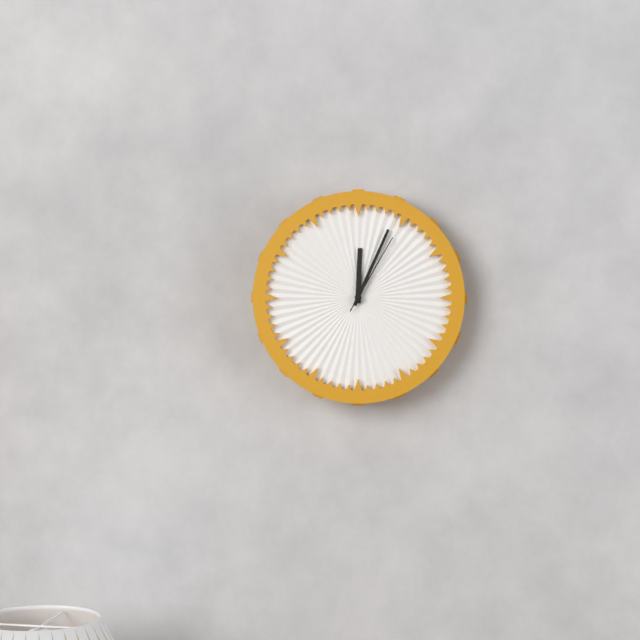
12:04:05
